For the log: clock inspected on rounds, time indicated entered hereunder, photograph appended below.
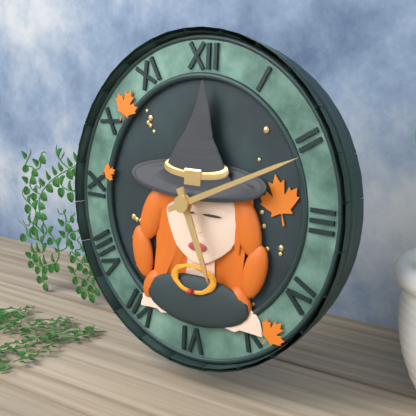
5:11
